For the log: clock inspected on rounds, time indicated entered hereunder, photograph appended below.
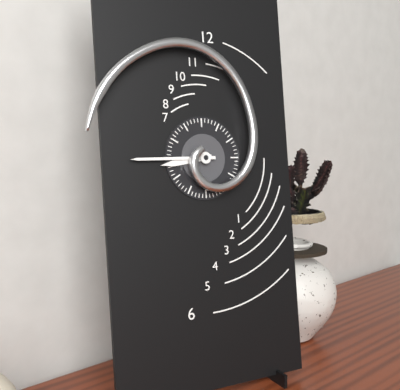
8:45
